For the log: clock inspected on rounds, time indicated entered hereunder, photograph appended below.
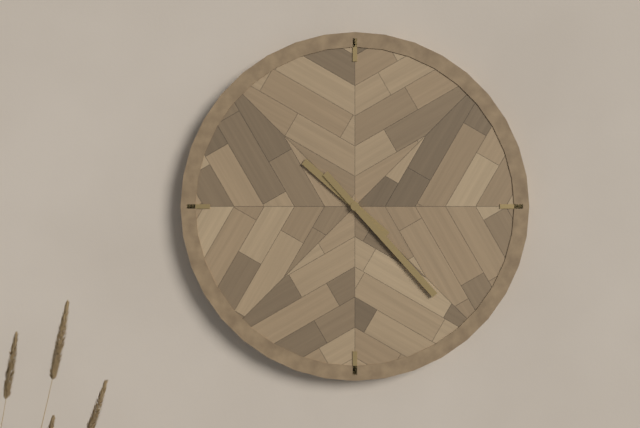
10:23
